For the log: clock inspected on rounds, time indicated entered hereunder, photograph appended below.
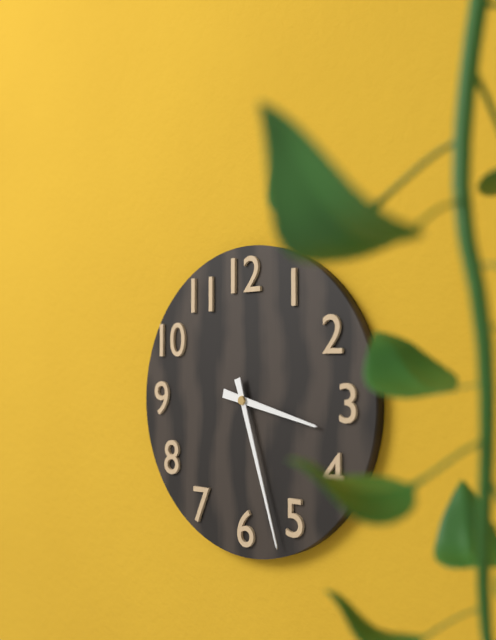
3:27
